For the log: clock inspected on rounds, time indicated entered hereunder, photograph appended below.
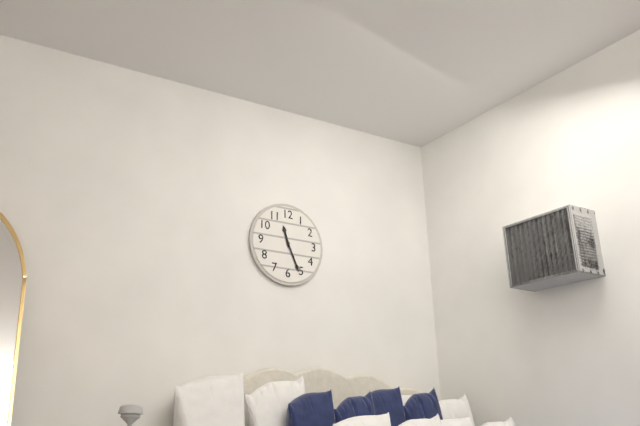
11:26
